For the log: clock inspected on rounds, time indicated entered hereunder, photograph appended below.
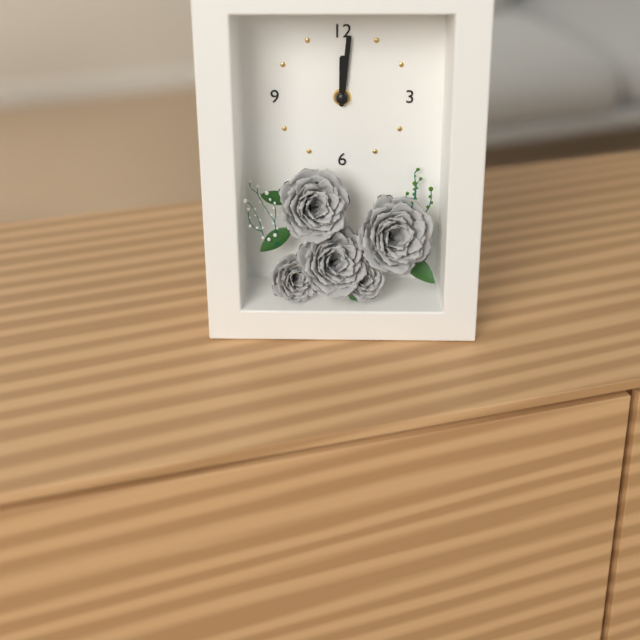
12:01
